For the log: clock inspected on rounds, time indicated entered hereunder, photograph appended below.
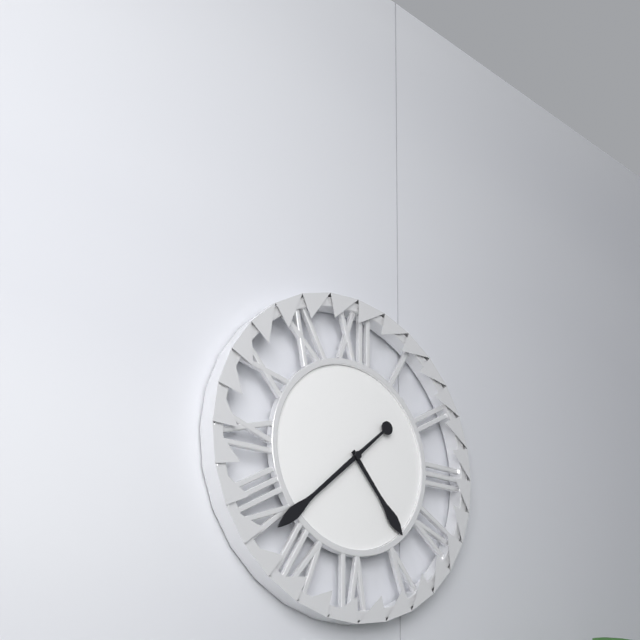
4:38
